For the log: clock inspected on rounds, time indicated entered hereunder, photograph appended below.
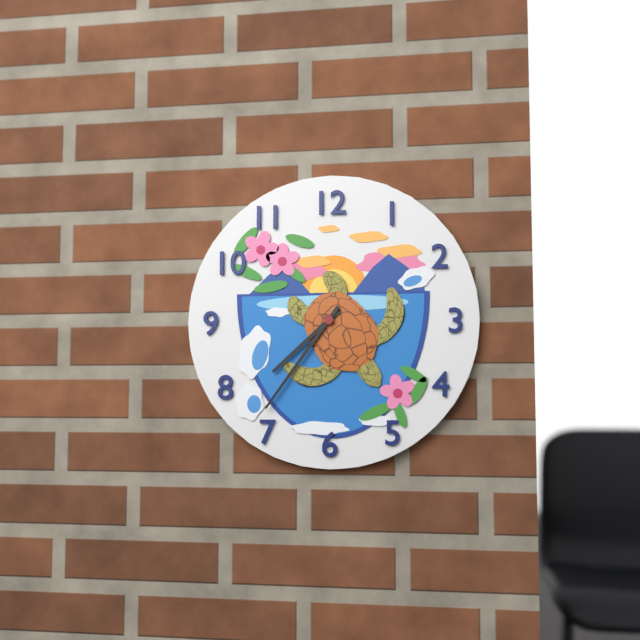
7:36
